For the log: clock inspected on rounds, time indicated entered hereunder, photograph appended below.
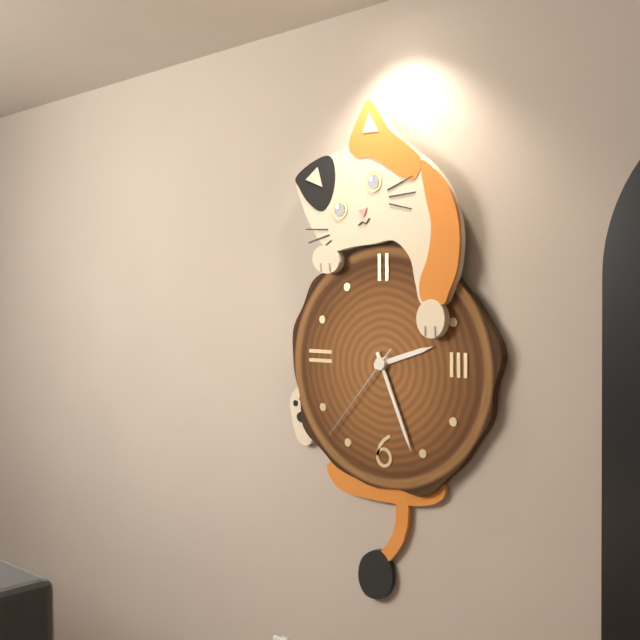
2:26:37
